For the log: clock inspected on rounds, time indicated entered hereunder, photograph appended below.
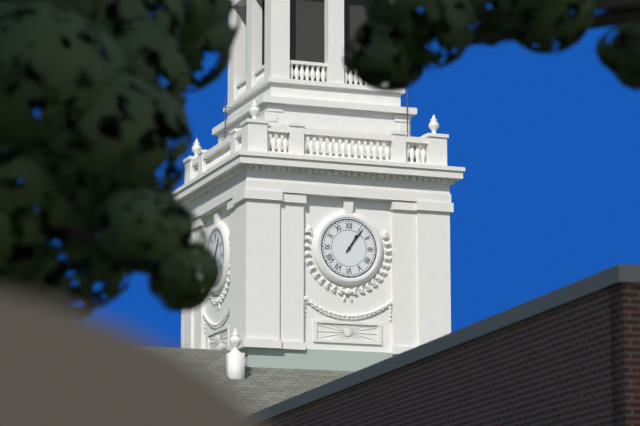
1:06
